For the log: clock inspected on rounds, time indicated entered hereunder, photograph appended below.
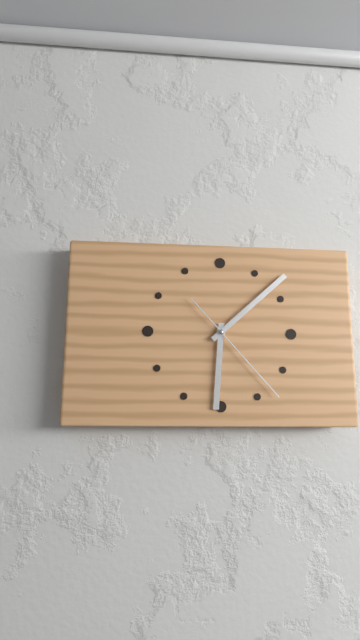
6:08:23
